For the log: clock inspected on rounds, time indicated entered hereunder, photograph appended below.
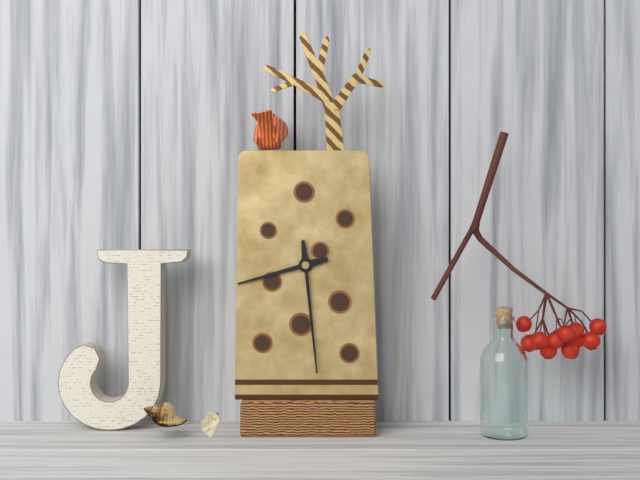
8:29
